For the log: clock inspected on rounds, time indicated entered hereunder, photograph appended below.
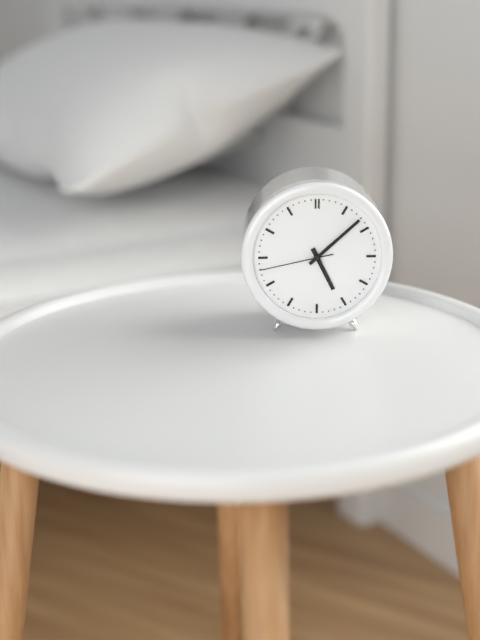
5:08:43
